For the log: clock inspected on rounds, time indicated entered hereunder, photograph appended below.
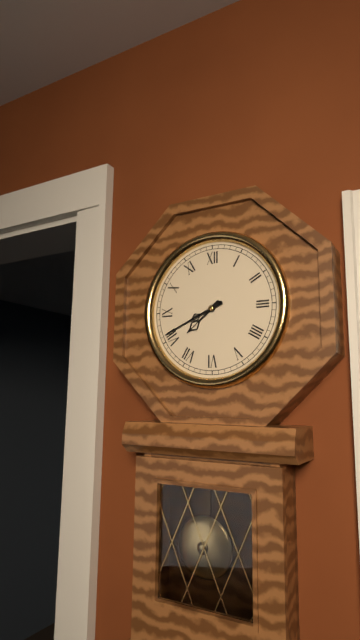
7:41
